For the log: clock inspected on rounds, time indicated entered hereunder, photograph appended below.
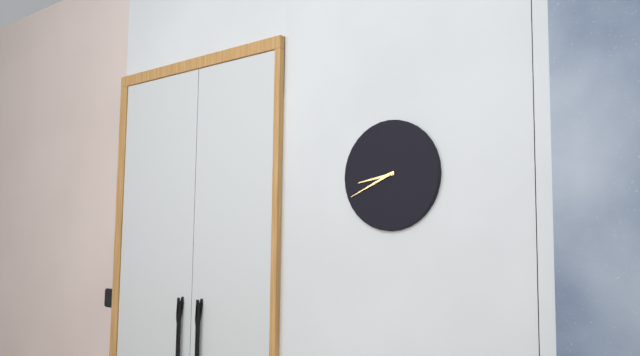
8:41
